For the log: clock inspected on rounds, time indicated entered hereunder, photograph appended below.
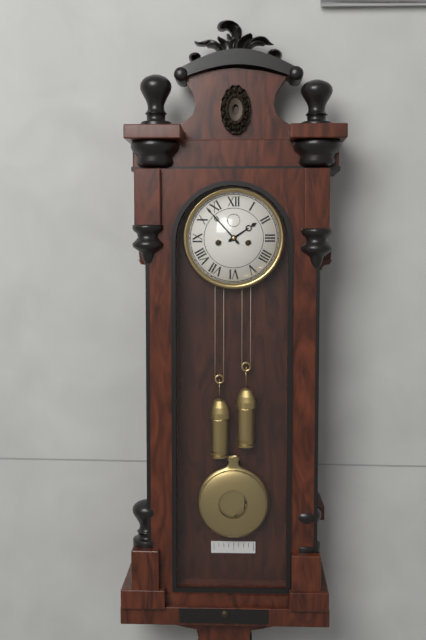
1:53
